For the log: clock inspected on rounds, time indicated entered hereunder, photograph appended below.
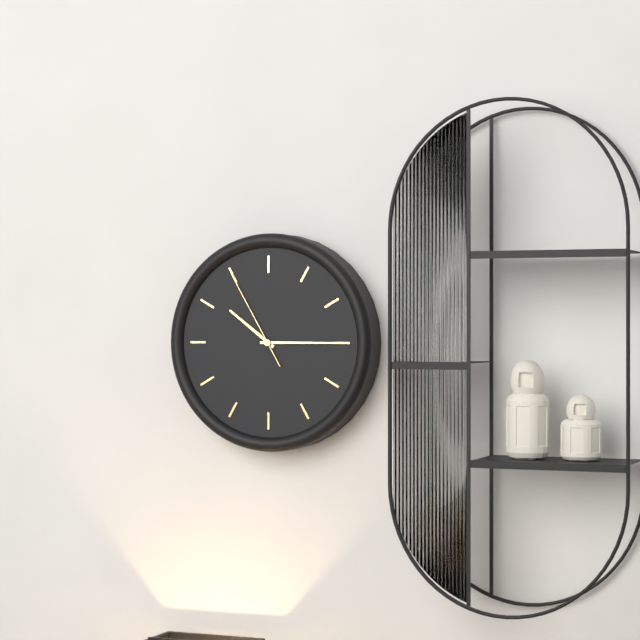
10:15:55
